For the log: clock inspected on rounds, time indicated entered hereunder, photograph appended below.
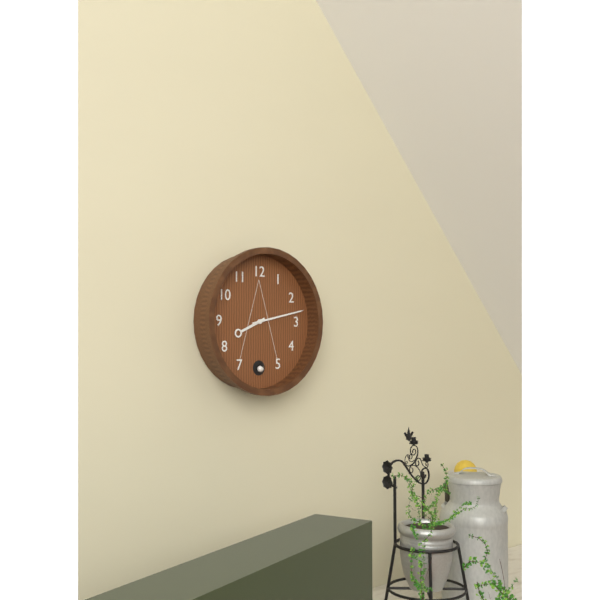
8:13
